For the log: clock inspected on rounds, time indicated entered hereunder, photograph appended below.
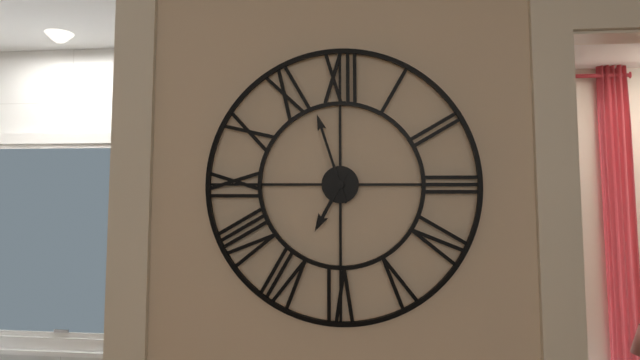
6:57
